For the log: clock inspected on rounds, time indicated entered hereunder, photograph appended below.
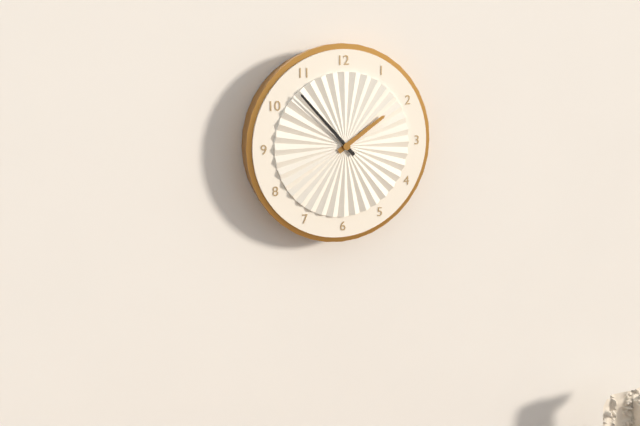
1:53
